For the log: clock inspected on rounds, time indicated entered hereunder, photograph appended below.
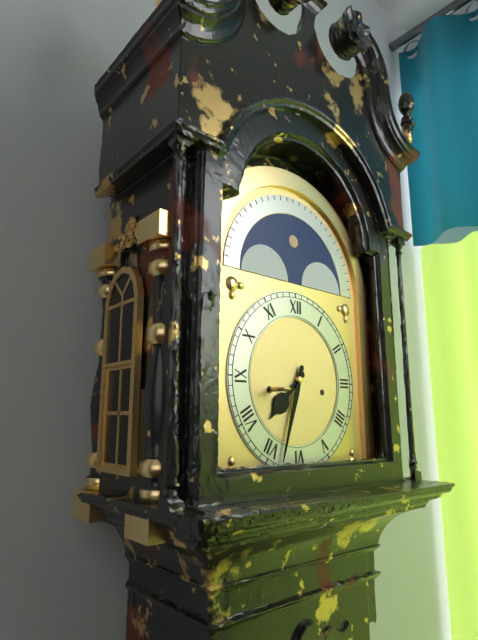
7:33
